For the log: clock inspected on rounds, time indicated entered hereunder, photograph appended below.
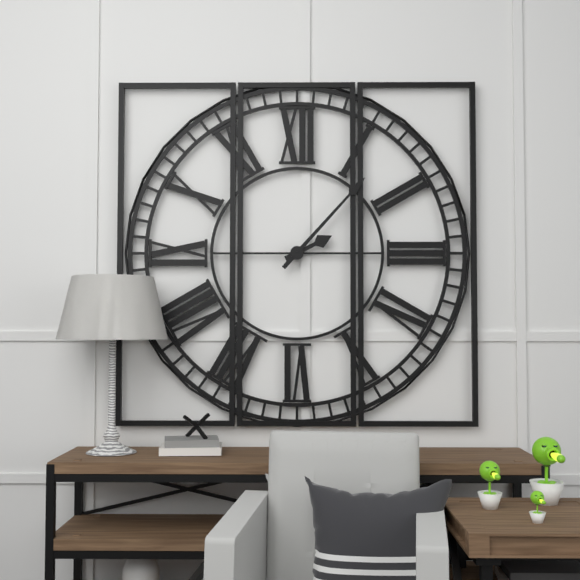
2:07
